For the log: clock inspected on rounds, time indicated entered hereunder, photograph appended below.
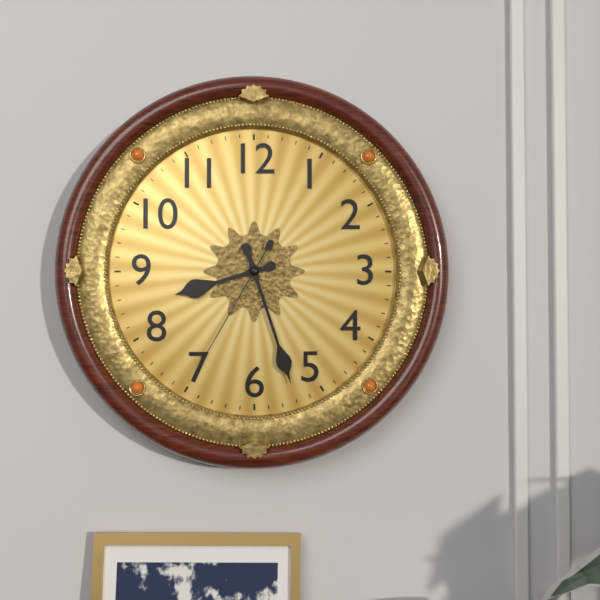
8:27:35
